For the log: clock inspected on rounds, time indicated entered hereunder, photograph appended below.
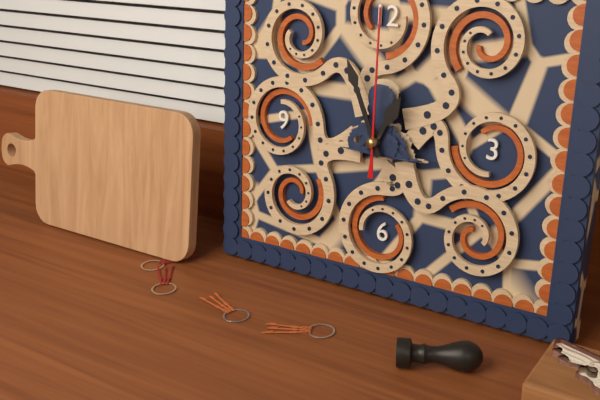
12:56:00
